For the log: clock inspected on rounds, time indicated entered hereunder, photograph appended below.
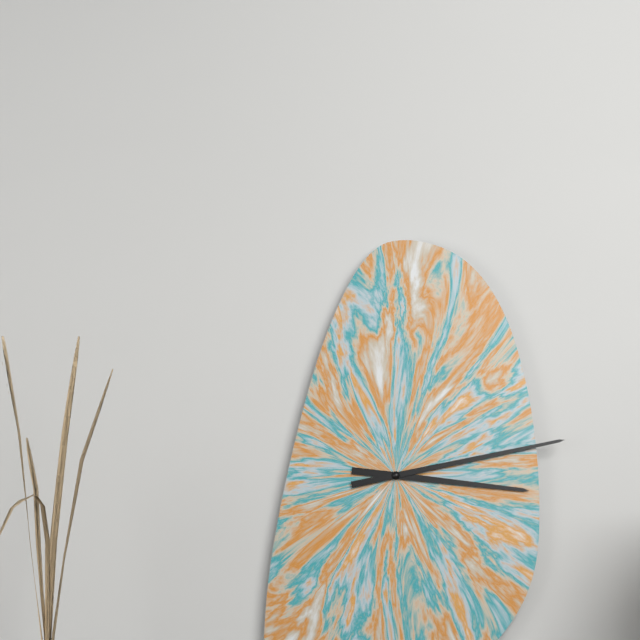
3:13
